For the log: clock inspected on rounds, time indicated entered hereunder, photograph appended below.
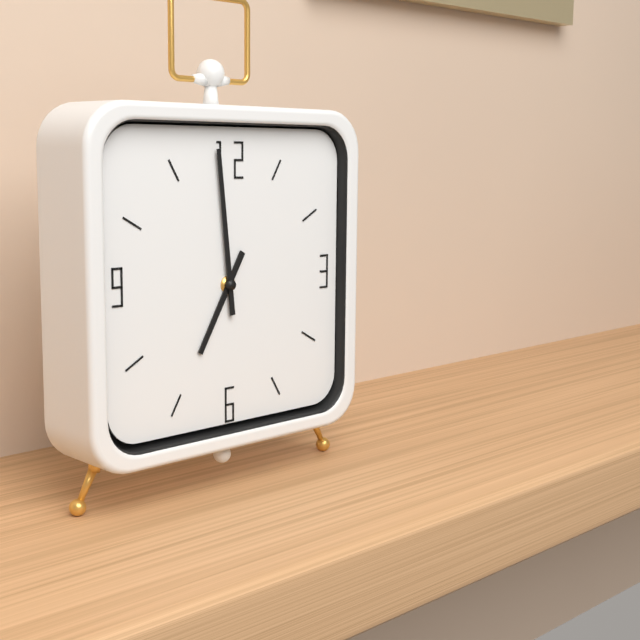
6:59
